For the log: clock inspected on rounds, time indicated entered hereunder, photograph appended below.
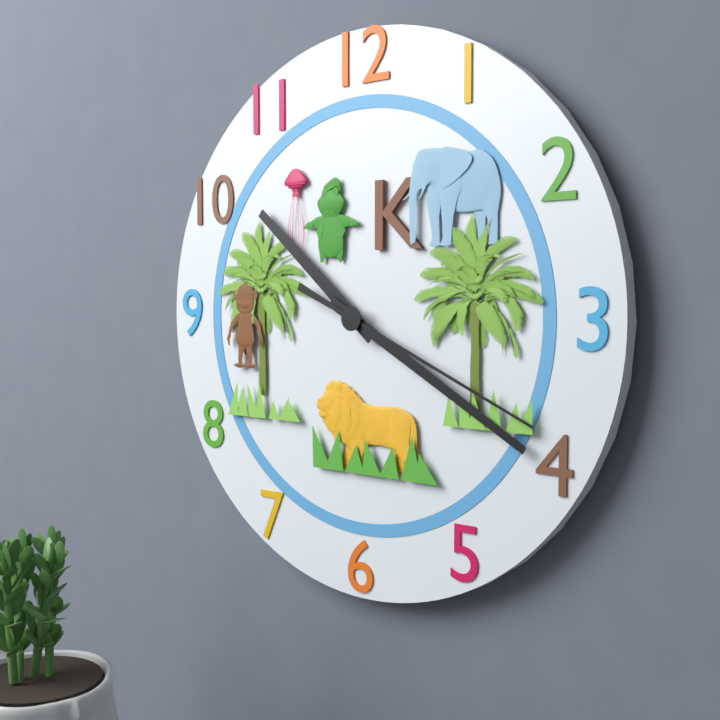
10:20:19
